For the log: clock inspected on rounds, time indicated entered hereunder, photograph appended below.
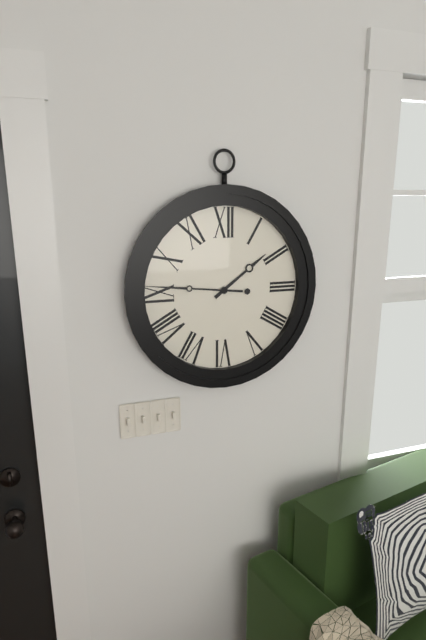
1:46
